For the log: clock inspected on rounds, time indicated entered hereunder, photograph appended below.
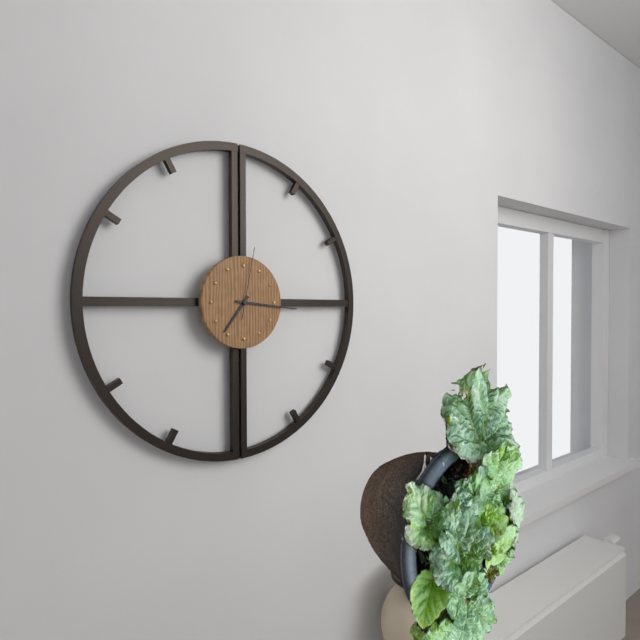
7:16:02
